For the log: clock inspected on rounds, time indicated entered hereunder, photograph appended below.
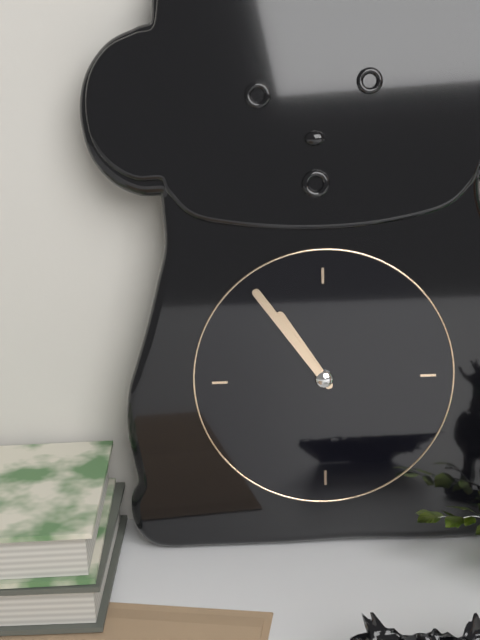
10:54
